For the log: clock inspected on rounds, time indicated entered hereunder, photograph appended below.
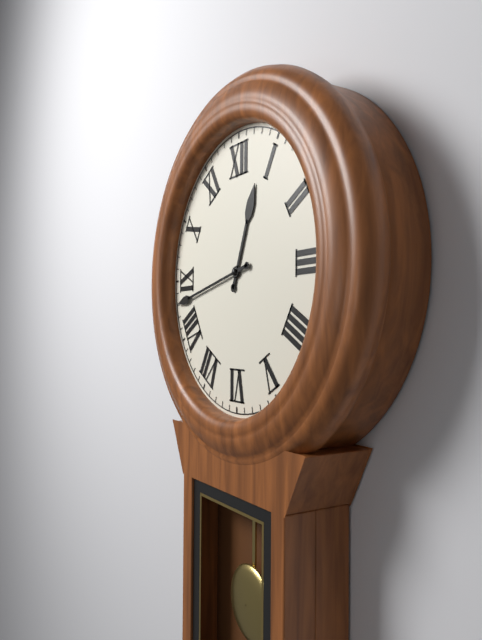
12:43
